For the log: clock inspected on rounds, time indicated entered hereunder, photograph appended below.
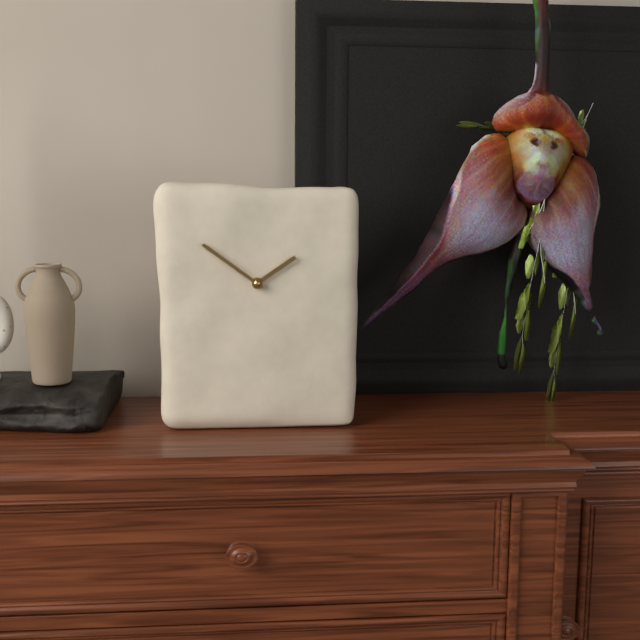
1:51
